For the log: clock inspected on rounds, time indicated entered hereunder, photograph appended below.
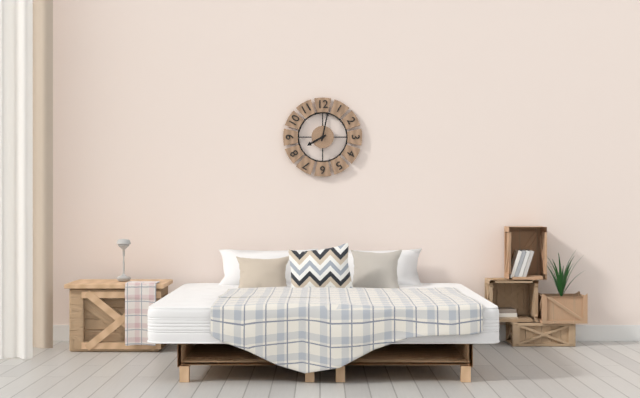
8:02
